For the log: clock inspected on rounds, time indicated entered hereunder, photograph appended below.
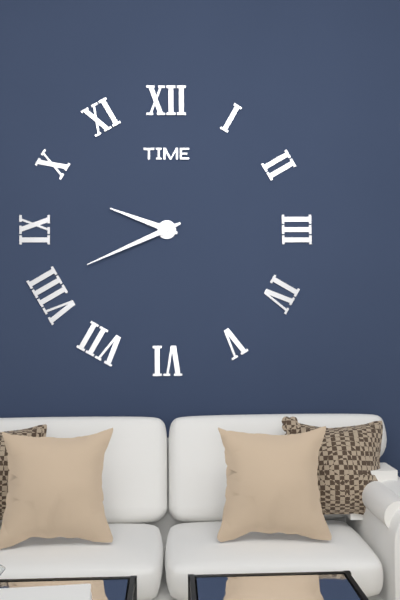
9:41
